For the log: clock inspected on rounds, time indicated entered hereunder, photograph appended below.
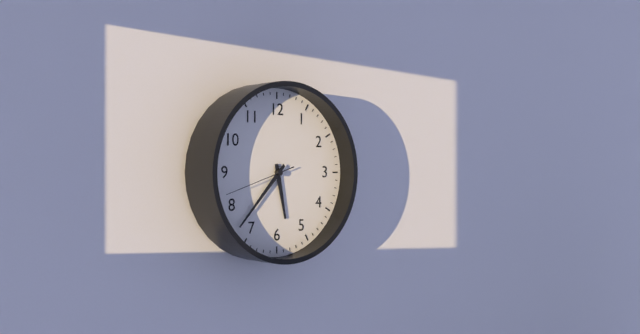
5:37
